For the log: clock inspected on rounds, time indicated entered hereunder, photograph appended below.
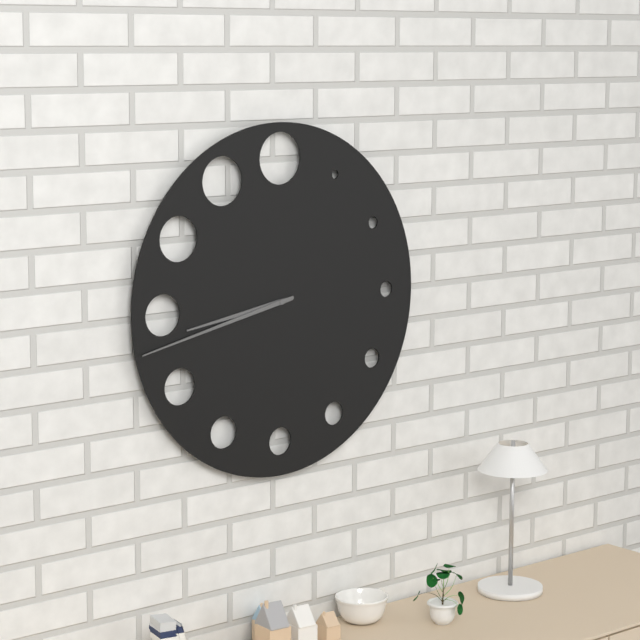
8:43
